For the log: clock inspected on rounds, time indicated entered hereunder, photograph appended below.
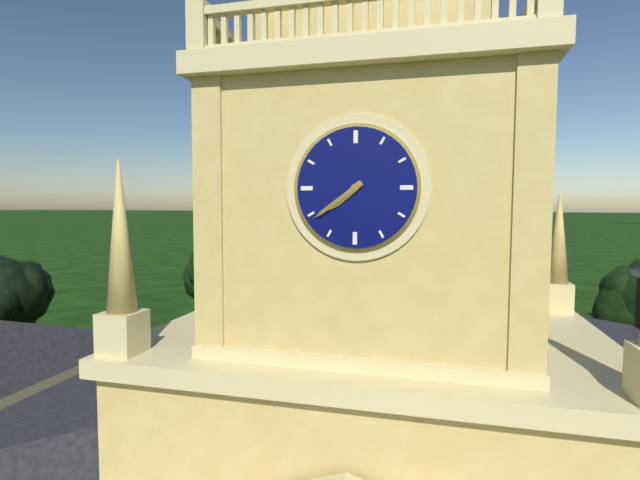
7:39
